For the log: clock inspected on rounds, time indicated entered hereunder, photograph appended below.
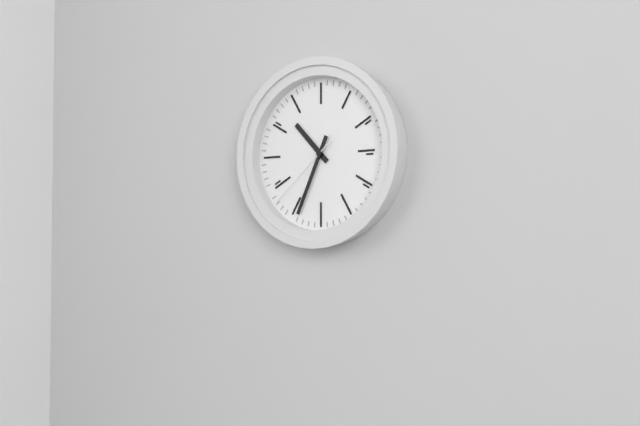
10:34:38
